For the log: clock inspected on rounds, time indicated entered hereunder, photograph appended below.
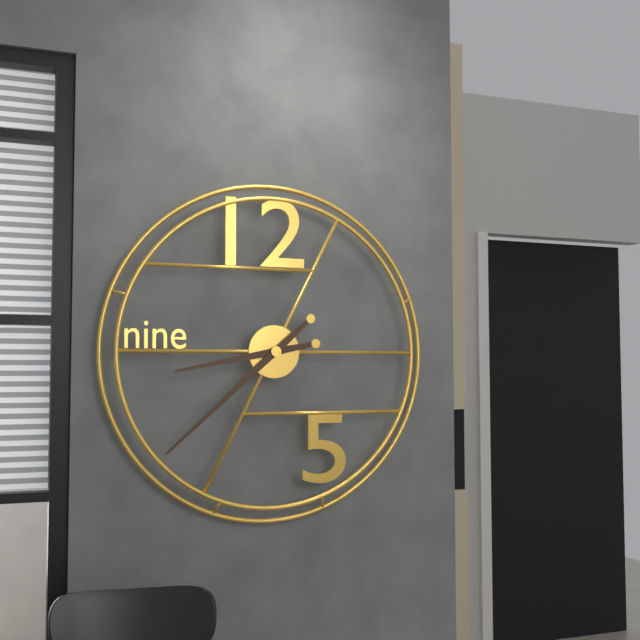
8:38
